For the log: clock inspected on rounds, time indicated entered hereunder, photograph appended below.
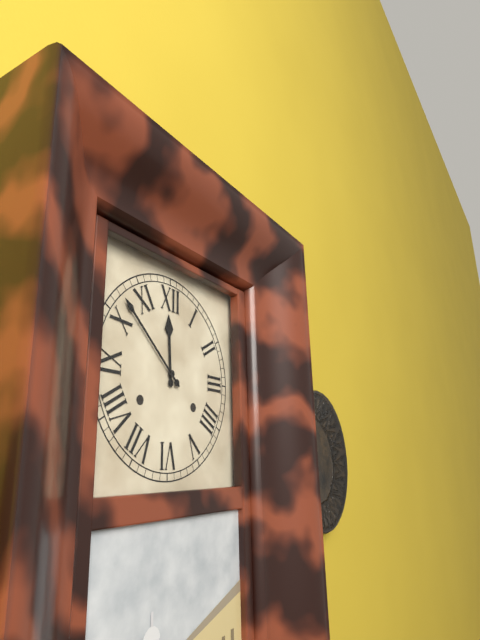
11:52
